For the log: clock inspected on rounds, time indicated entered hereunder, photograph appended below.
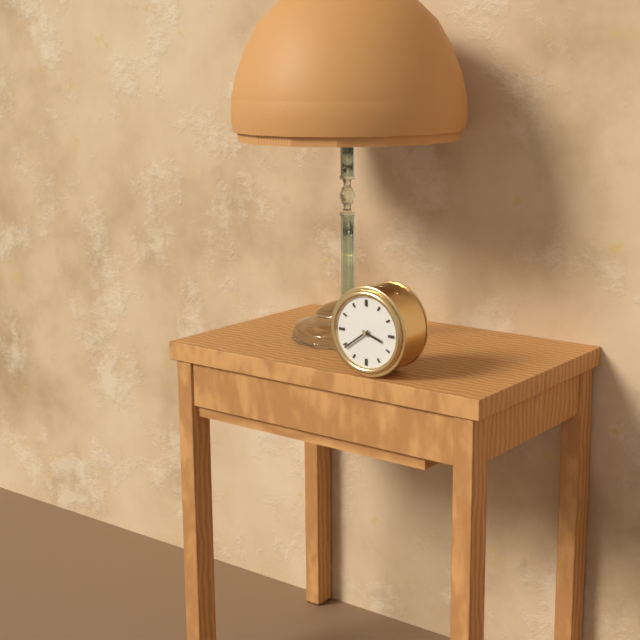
3:39
